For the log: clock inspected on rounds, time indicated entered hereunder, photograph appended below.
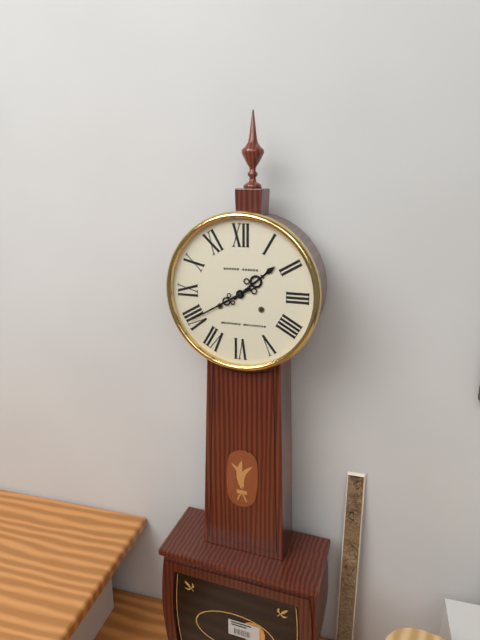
1:40
